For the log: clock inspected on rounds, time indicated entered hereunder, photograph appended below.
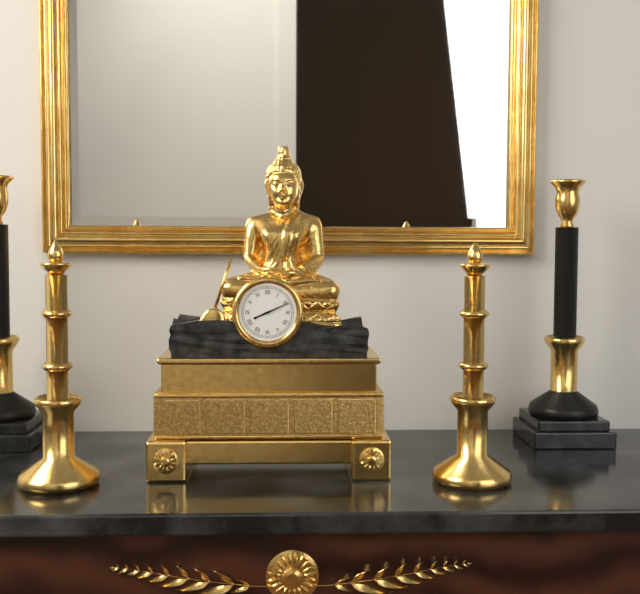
8:11
